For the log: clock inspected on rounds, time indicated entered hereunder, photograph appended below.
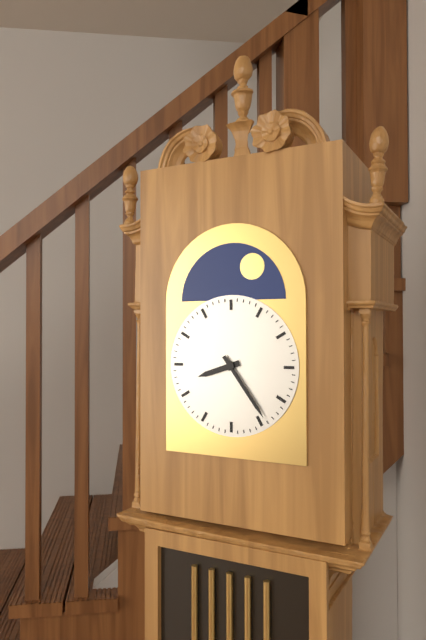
8:24
